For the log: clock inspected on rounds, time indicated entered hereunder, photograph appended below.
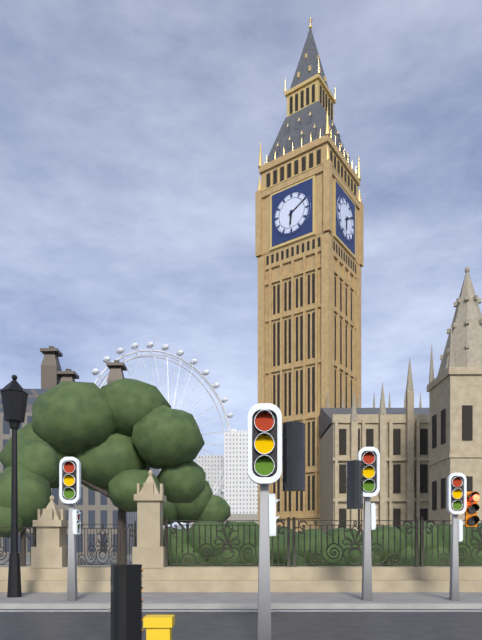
6:10
